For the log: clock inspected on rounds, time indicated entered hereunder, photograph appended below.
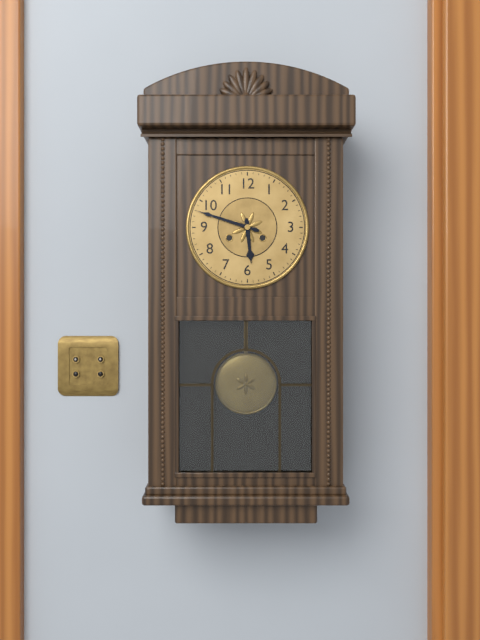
5:48
